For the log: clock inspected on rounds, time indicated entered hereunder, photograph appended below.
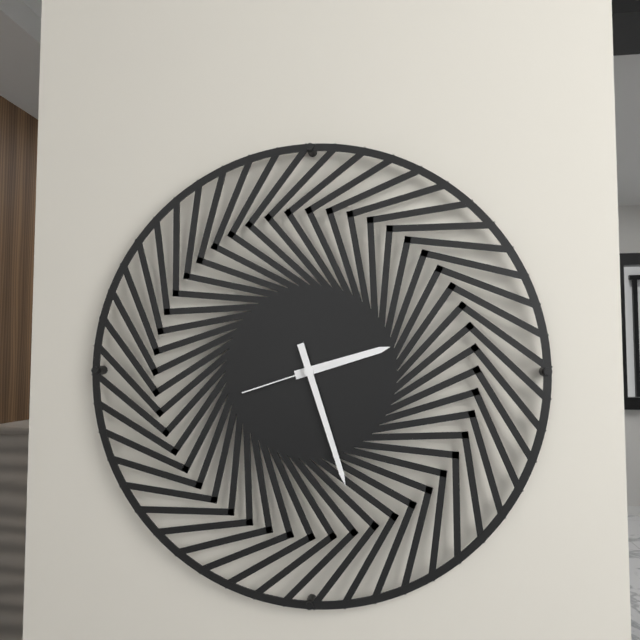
2:27:42
